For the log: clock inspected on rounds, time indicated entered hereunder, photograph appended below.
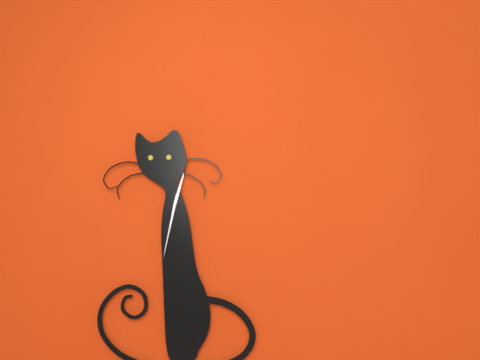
12:32
